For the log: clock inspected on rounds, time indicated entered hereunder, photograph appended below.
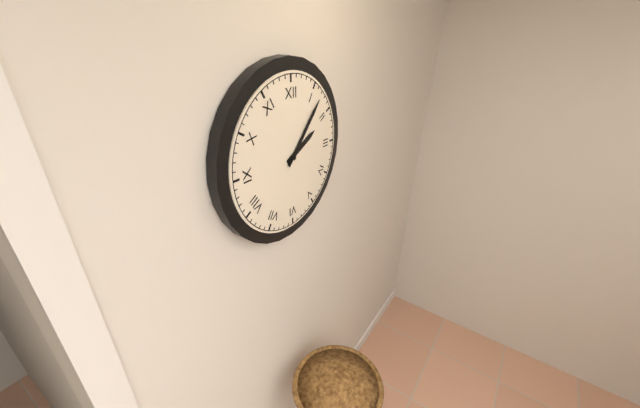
2:07
